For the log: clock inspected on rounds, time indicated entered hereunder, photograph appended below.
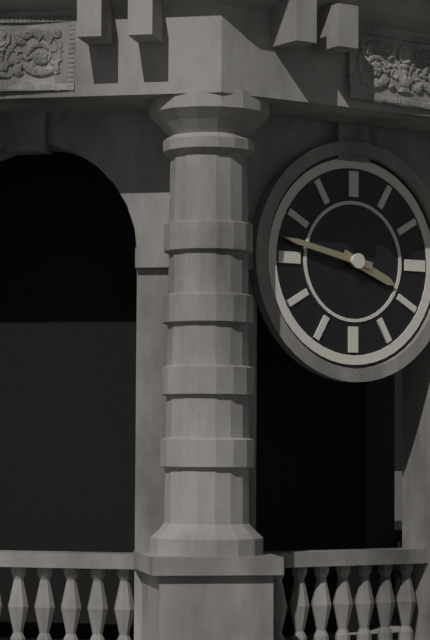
3:47
